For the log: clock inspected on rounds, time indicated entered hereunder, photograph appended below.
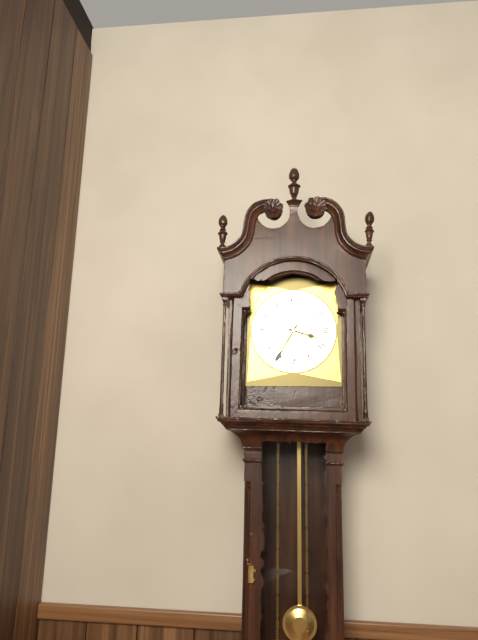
3:35
